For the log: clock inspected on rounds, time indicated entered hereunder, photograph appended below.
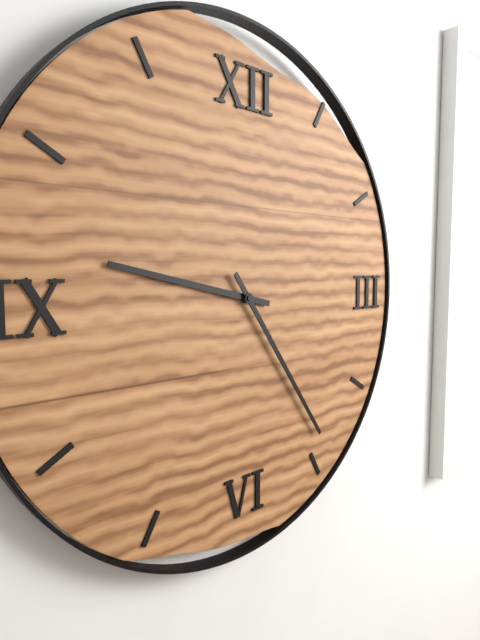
9:24
